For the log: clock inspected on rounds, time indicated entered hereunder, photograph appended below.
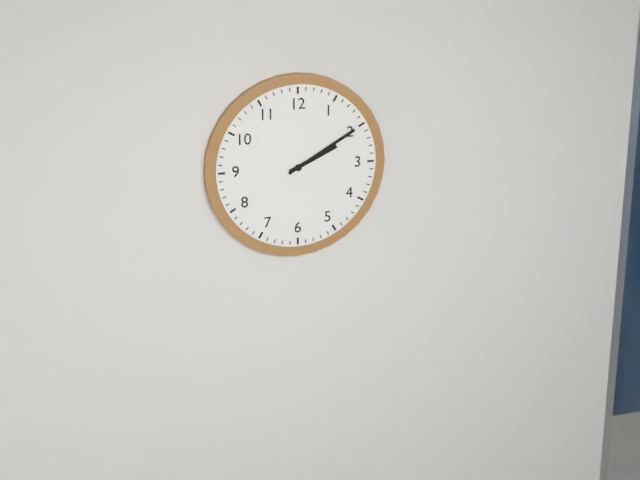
2:10
